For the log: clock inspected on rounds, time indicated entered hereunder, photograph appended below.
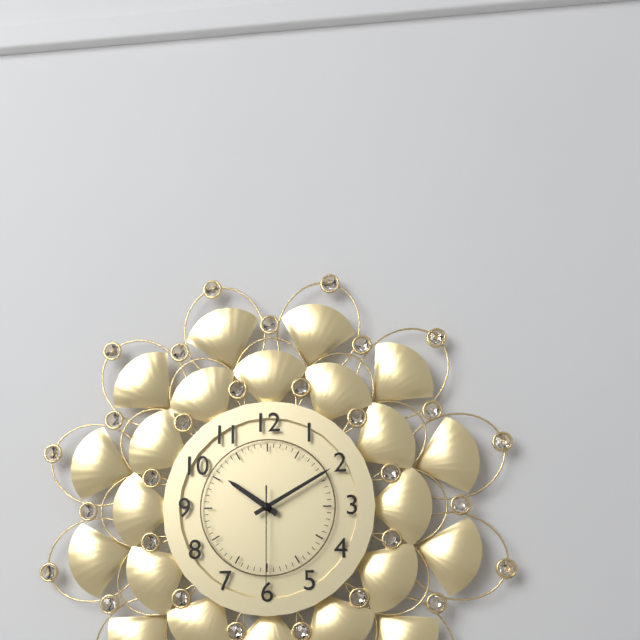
10:10:30
